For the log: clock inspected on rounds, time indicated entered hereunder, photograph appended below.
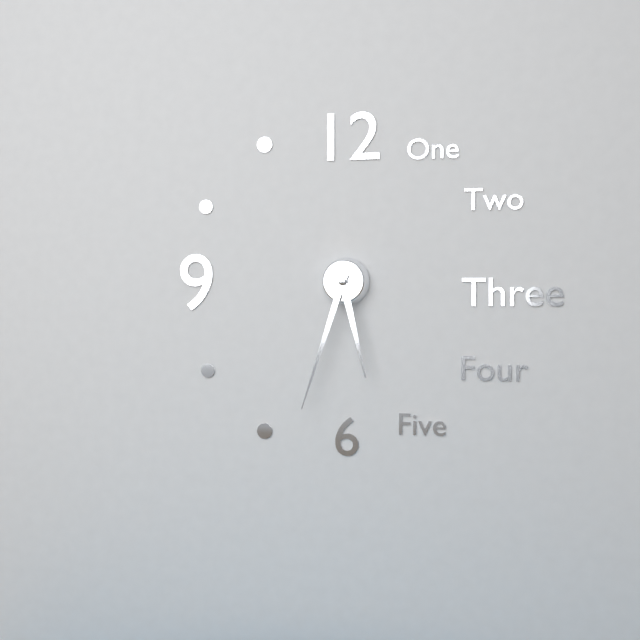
5:33
